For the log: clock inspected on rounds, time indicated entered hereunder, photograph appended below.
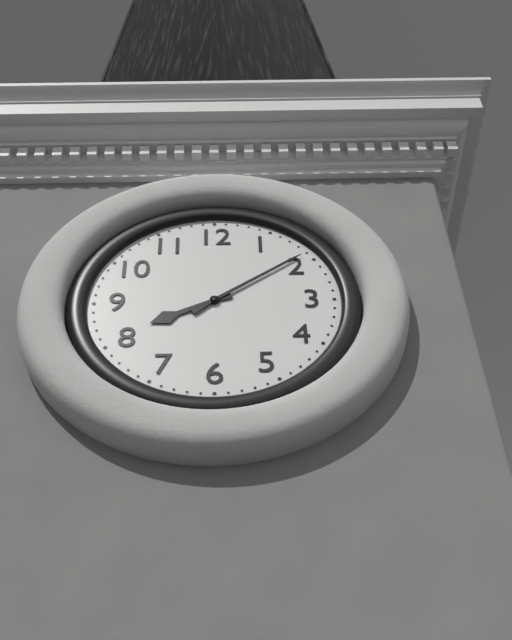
8:09
